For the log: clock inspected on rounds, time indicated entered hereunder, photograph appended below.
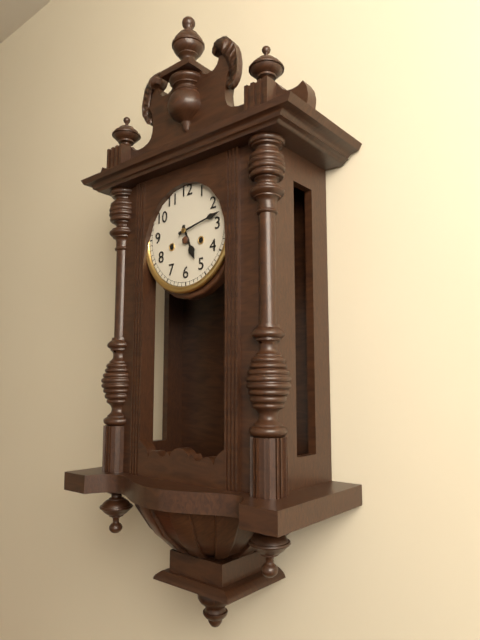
5:13
